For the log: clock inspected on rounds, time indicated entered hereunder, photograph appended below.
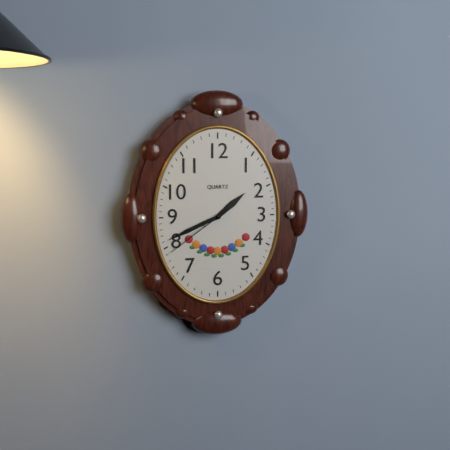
1:41:39
